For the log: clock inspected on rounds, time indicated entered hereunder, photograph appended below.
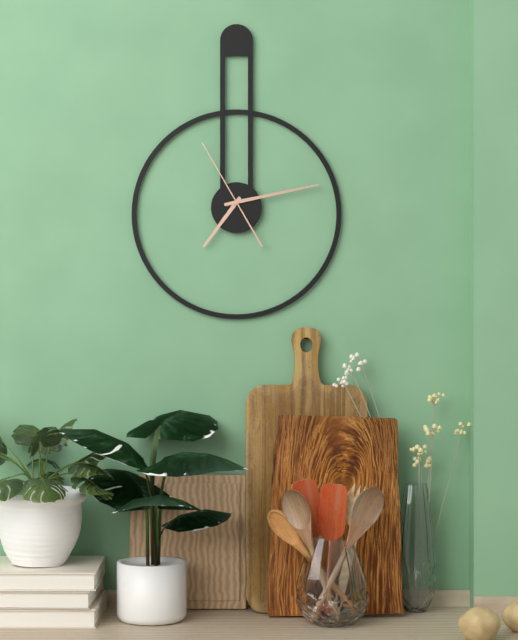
7:13:55
